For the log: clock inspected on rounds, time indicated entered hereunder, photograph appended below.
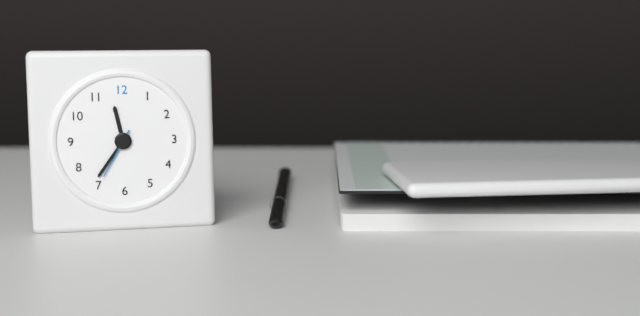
11:36:35
